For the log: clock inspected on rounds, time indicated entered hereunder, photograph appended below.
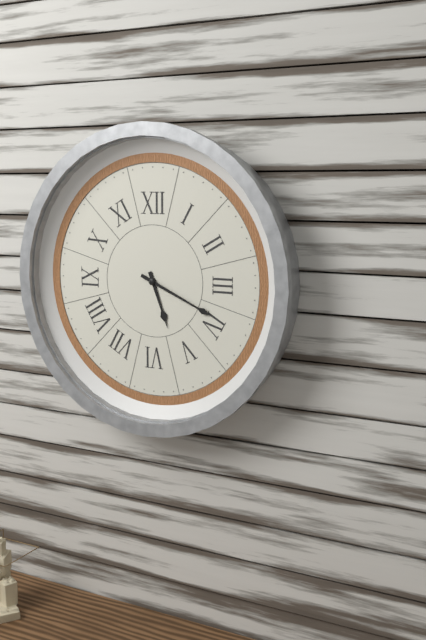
5:19
